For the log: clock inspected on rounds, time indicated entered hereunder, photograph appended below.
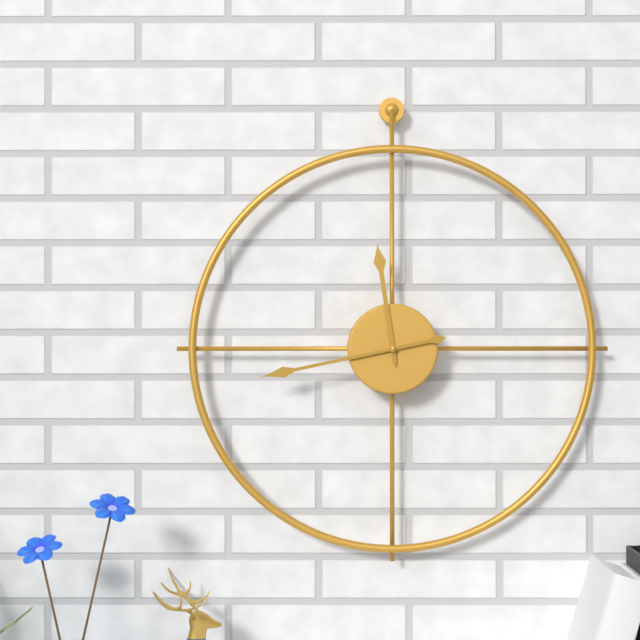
11:43
